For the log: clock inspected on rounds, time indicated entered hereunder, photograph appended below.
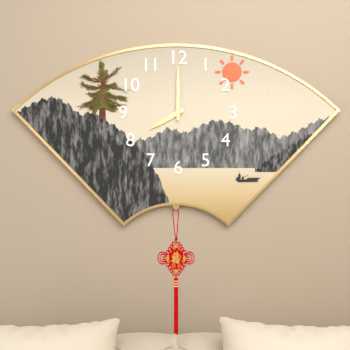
8:00
